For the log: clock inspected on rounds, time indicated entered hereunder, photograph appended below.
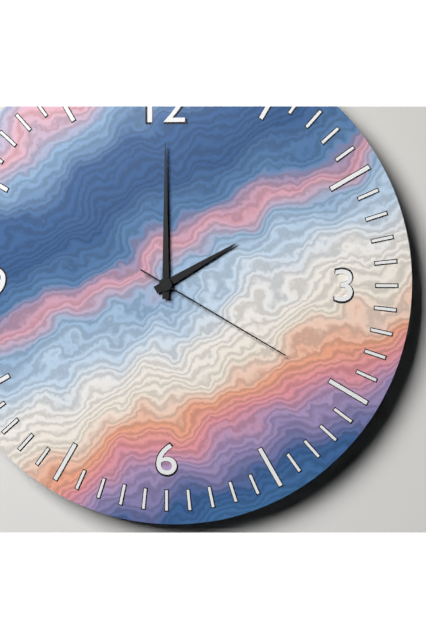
2:00:20
